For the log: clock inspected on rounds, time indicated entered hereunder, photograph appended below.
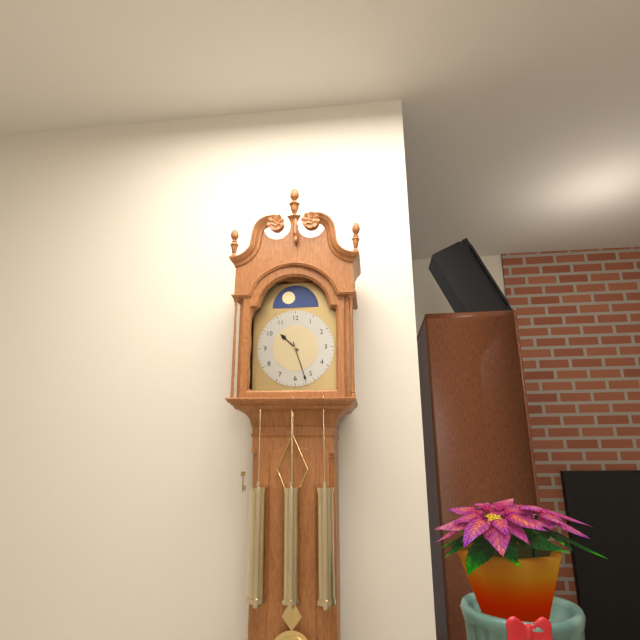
10:27
